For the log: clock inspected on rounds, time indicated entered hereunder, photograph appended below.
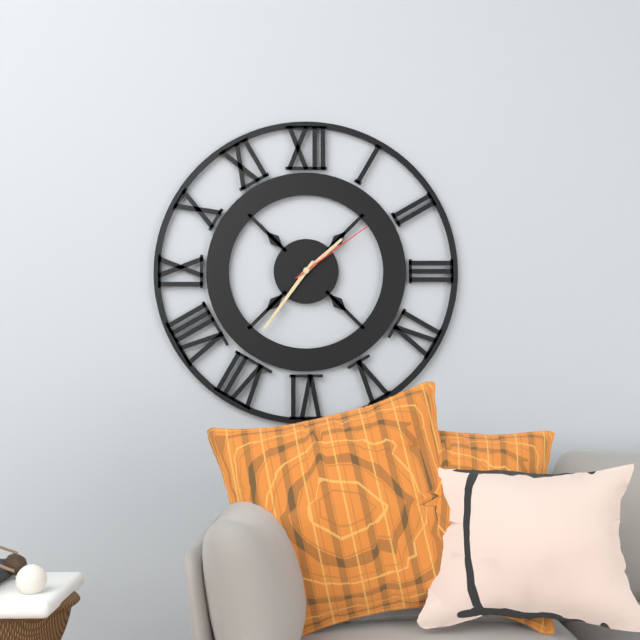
1:36:09
